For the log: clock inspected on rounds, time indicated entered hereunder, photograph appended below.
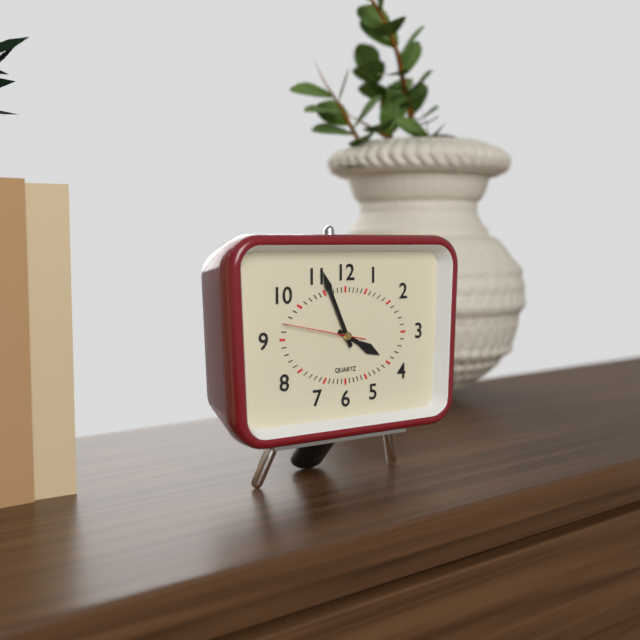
3:56:47
